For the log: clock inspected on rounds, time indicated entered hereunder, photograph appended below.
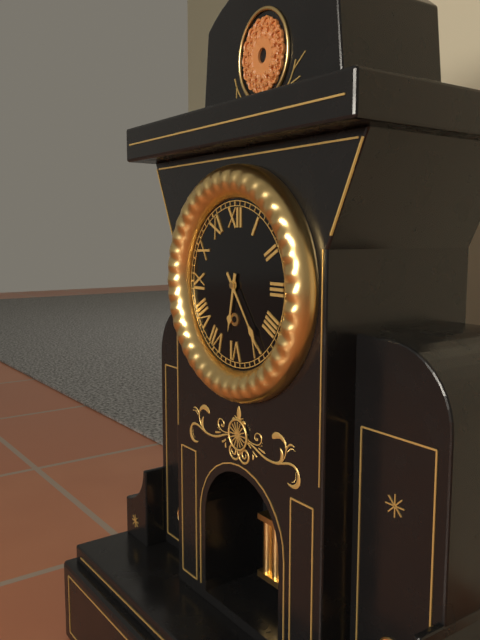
6:24
